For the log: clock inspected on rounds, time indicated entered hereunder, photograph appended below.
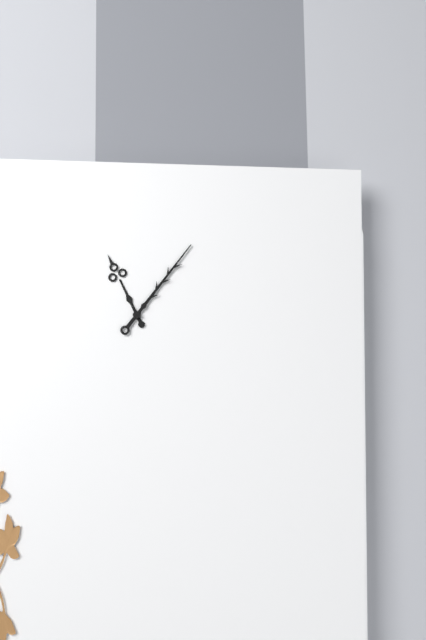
11:06
